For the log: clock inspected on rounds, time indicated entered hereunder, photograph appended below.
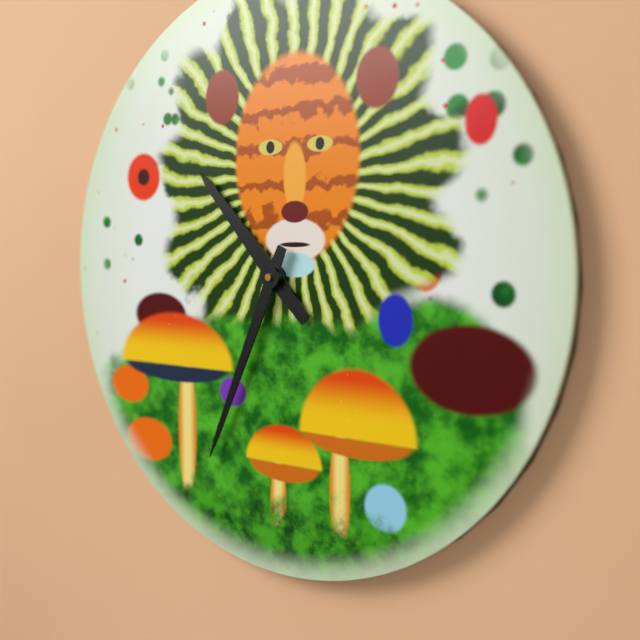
10:34
